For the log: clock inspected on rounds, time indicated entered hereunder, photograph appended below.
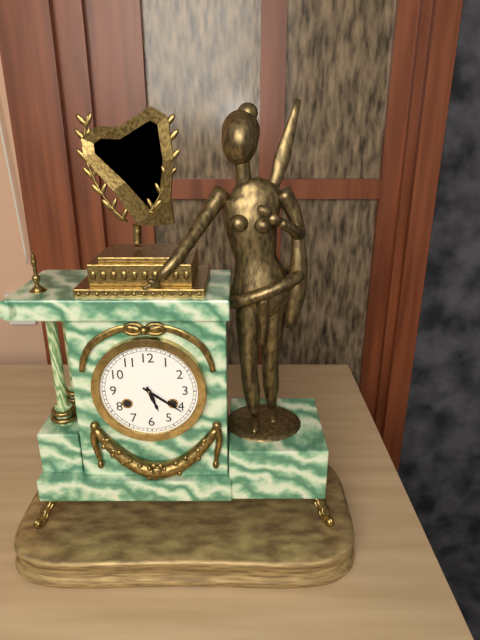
5:21
